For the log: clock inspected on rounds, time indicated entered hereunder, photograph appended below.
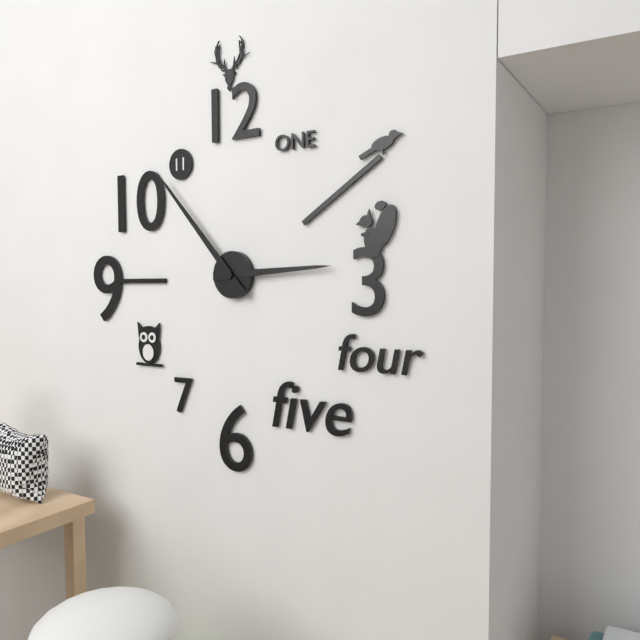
2:53
